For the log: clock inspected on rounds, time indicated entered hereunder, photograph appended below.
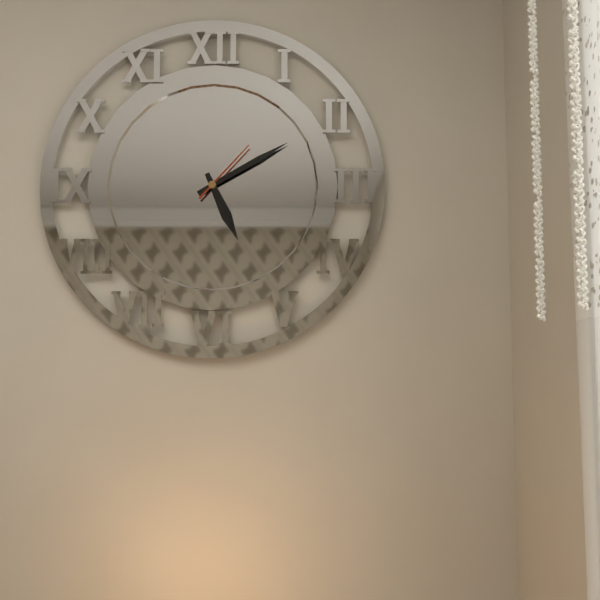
5:10:07
